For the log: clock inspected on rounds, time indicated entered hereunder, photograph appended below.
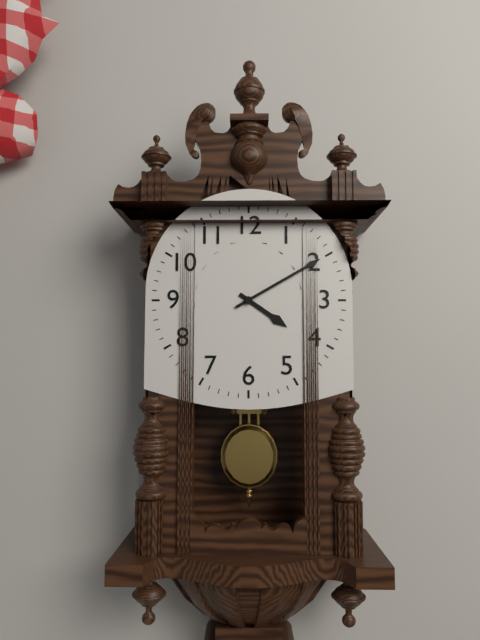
4:10
